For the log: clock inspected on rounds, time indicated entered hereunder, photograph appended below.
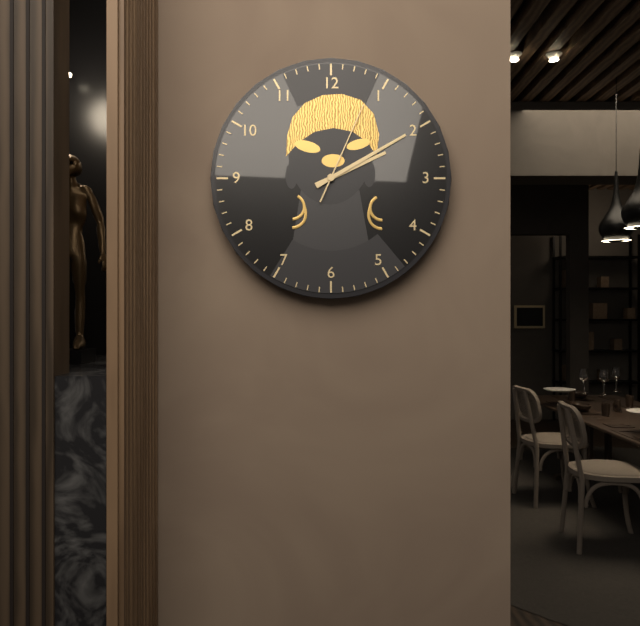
2:10:04
